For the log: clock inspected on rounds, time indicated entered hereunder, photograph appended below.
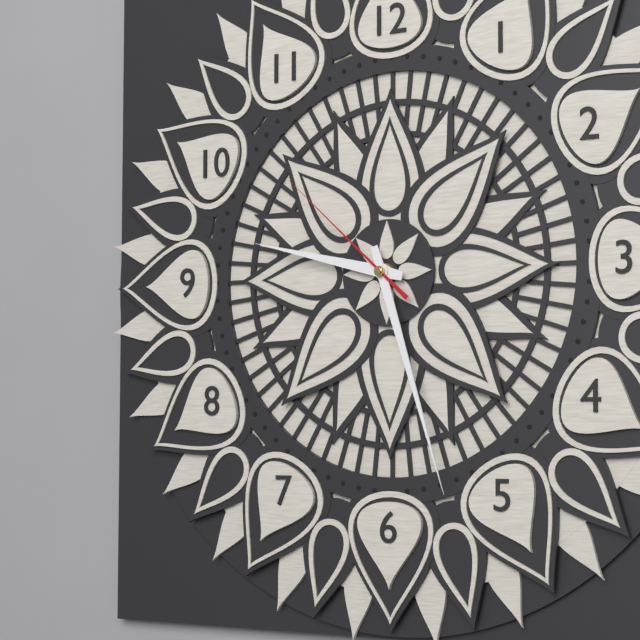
9:27:52
